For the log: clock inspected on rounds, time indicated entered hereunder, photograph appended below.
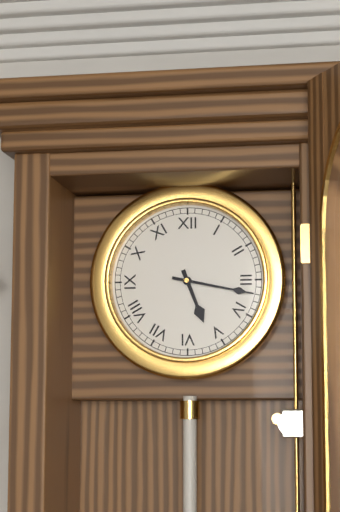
5:17
